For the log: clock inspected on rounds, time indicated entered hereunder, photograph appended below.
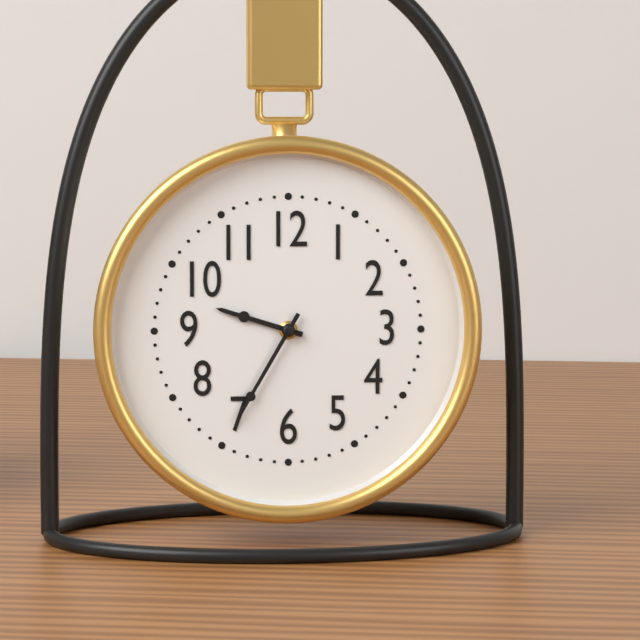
9:35
